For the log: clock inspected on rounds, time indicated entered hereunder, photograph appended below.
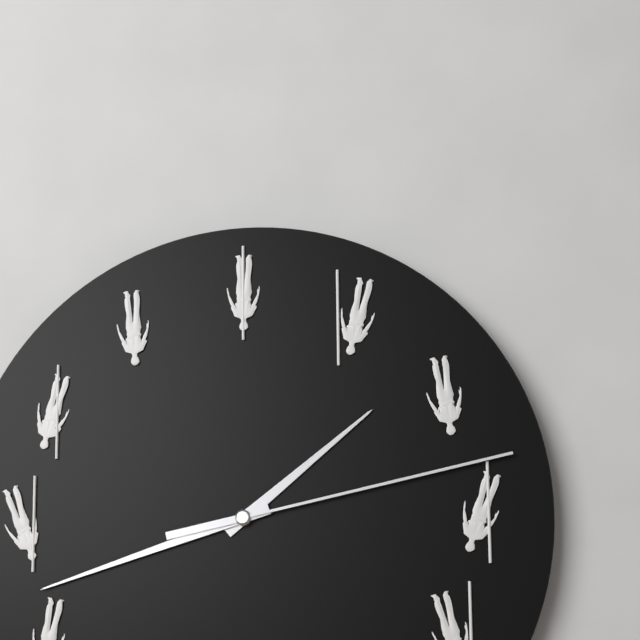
1:42:13
